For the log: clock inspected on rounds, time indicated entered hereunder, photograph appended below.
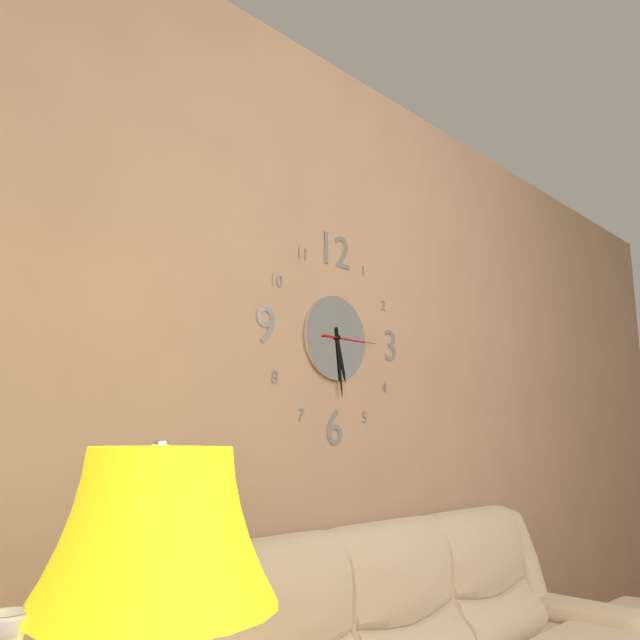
5:29:15
